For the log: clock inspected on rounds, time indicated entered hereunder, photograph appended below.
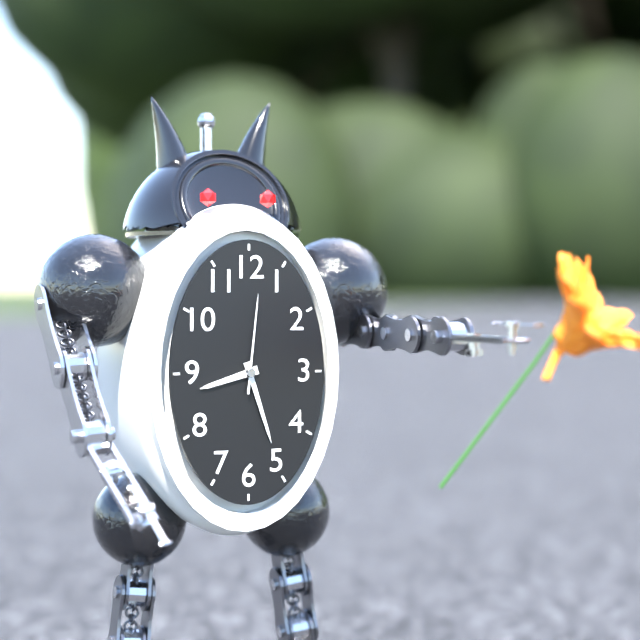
8:27:01
